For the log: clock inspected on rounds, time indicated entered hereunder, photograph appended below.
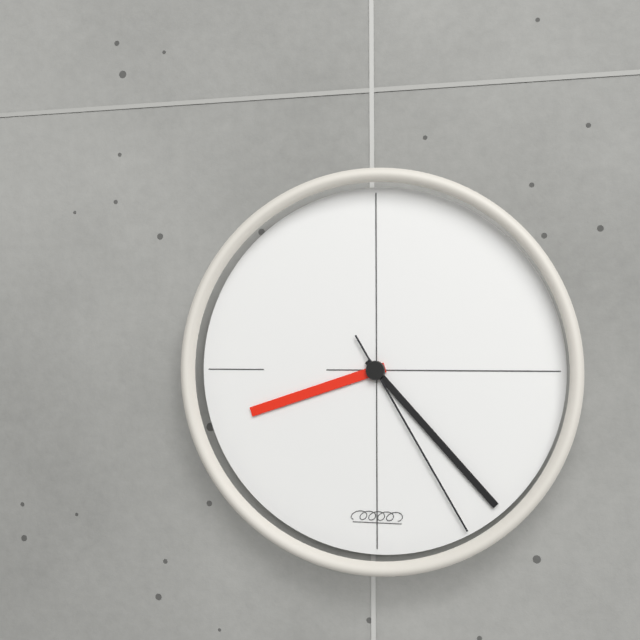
8:23:25
